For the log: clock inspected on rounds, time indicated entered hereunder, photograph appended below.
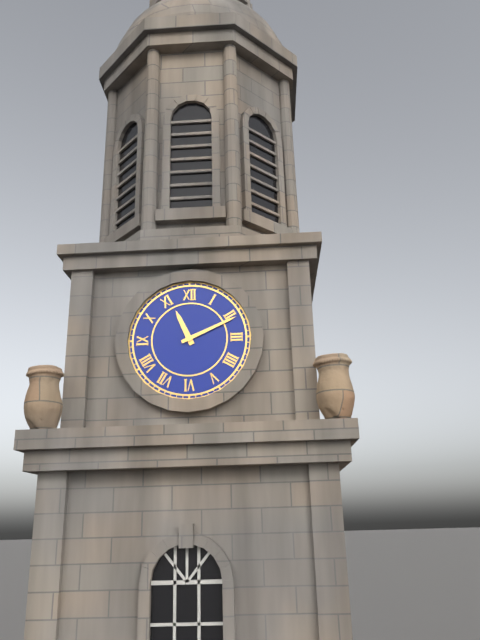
11:11
